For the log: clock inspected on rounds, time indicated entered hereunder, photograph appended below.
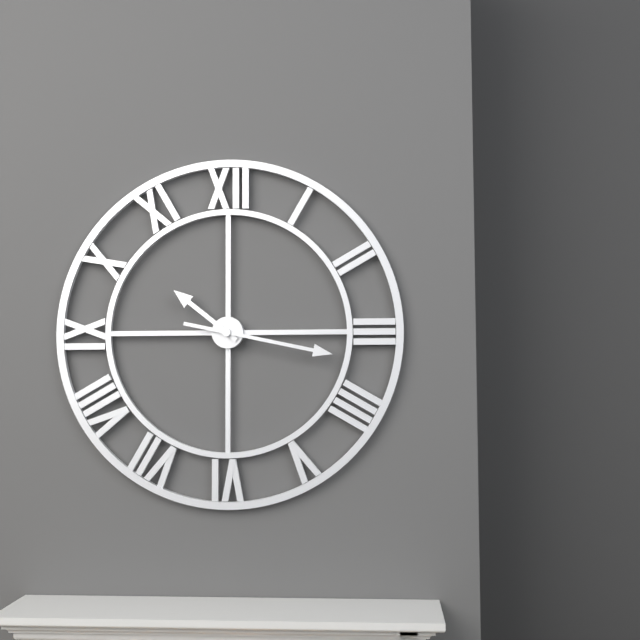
10:17
